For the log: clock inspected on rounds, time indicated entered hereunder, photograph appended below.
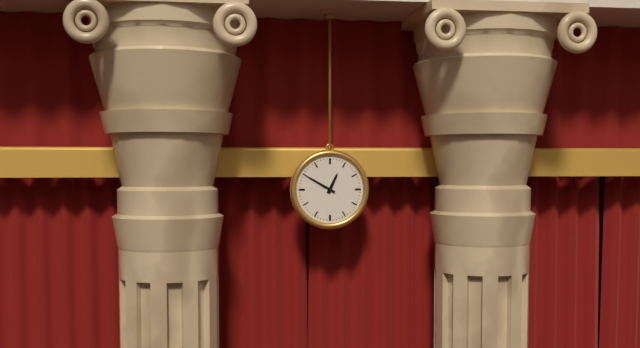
12:50
